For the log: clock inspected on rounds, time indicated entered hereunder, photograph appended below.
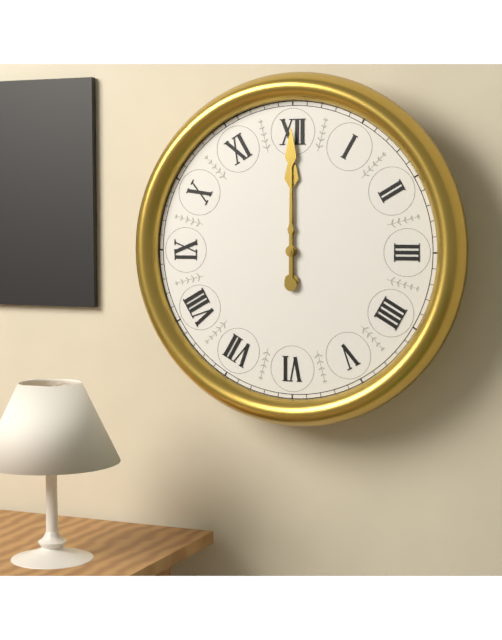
12:00
